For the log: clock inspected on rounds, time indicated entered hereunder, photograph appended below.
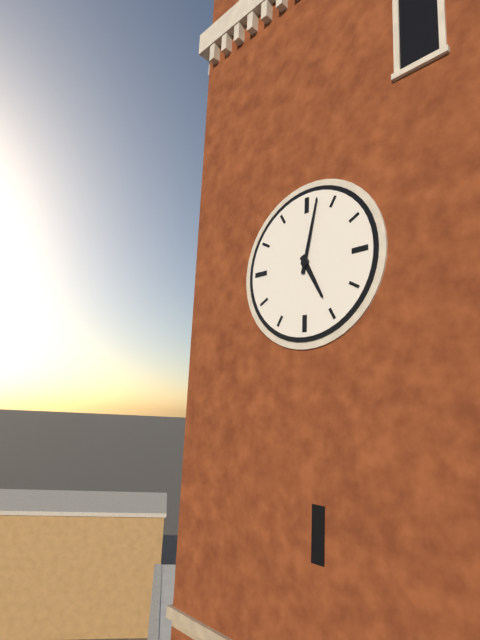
5:02
